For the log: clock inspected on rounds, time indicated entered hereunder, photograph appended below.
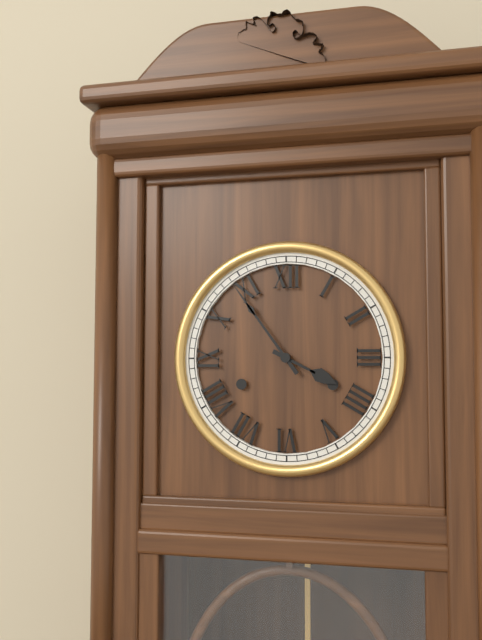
3:54
